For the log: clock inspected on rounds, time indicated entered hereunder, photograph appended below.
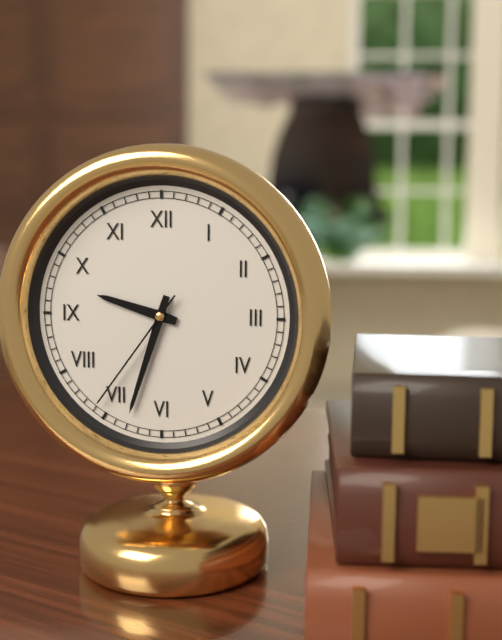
9:33:36
